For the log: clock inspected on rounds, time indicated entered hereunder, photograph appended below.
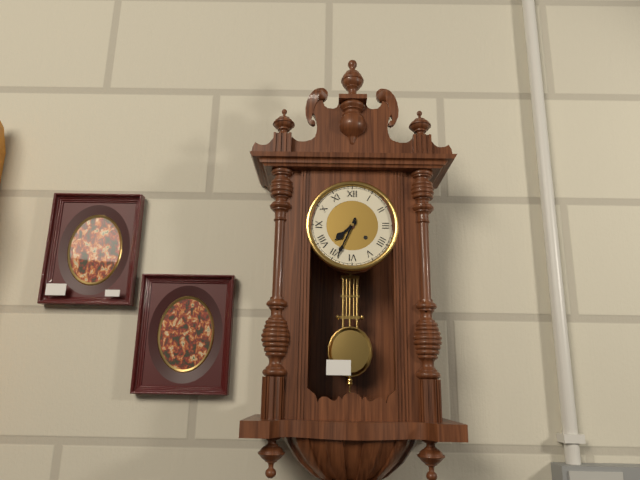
7:34
